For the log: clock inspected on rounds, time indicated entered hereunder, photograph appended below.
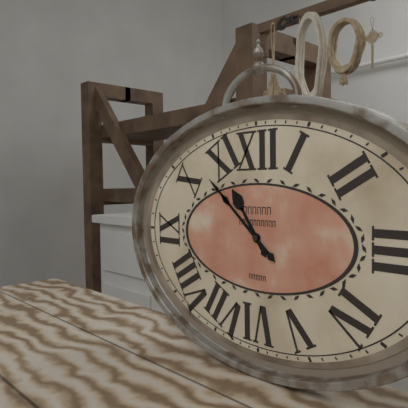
10:52
